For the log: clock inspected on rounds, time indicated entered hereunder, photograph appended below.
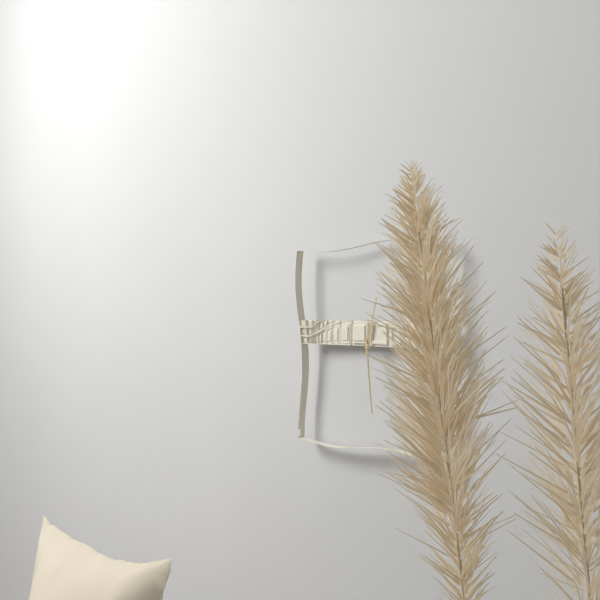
12:29
